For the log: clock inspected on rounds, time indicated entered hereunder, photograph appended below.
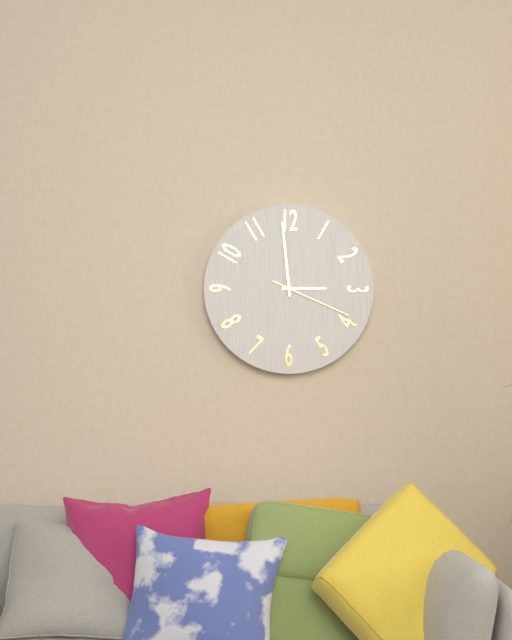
2:59:19
